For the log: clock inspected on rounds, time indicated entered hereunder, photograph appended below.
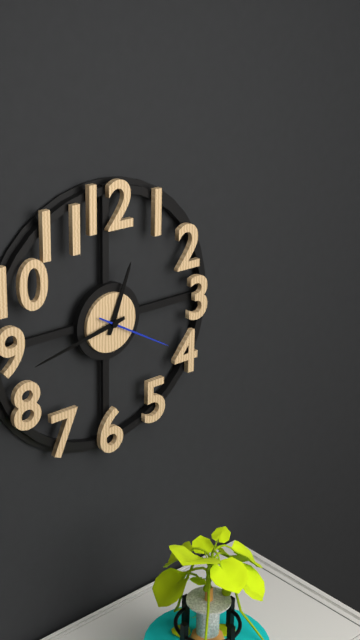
12:43:20
